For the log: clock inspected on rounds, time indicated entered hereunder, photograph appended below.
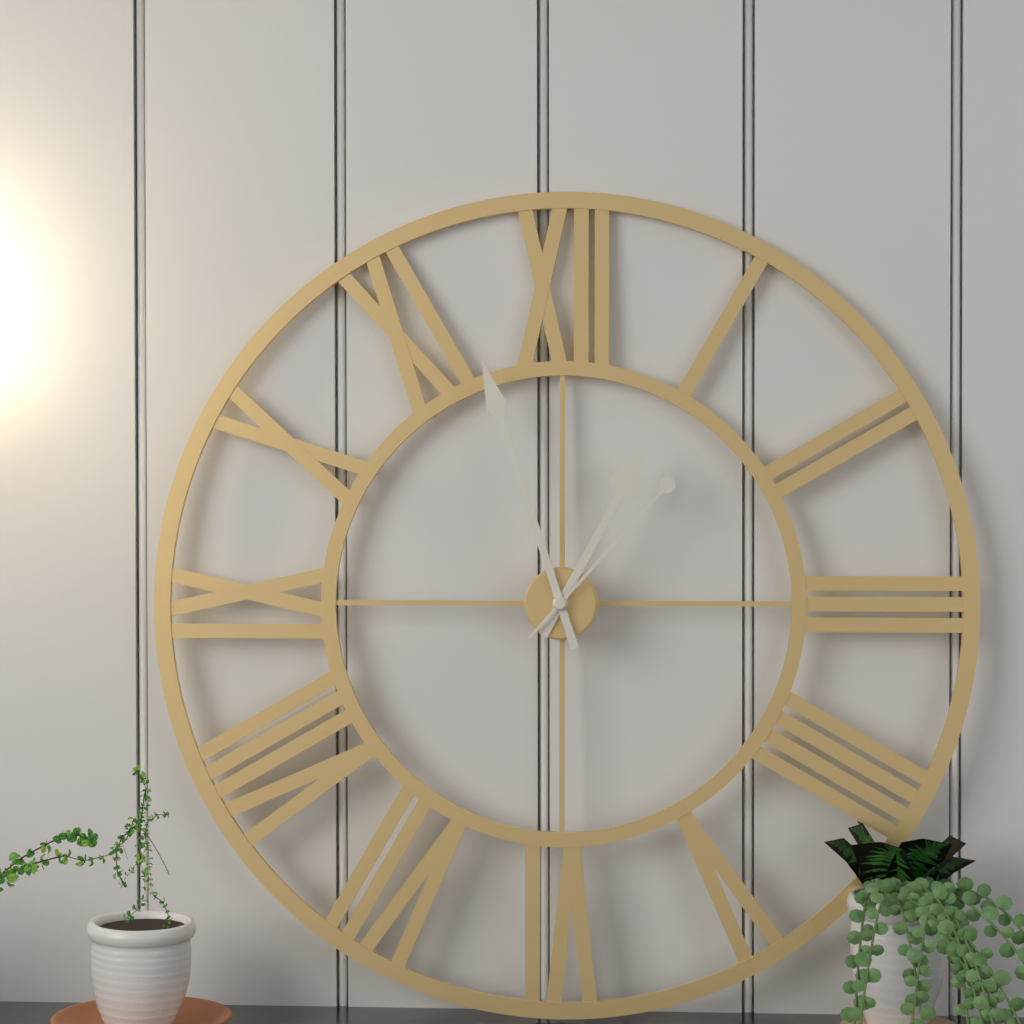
12:57:07
